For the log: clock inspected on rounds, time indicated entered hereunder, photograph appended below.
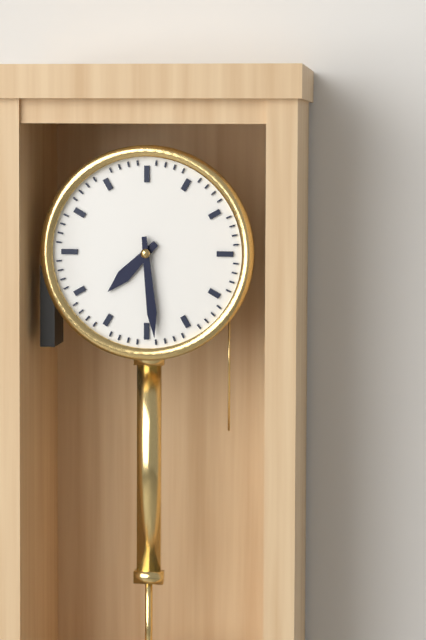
7:29
